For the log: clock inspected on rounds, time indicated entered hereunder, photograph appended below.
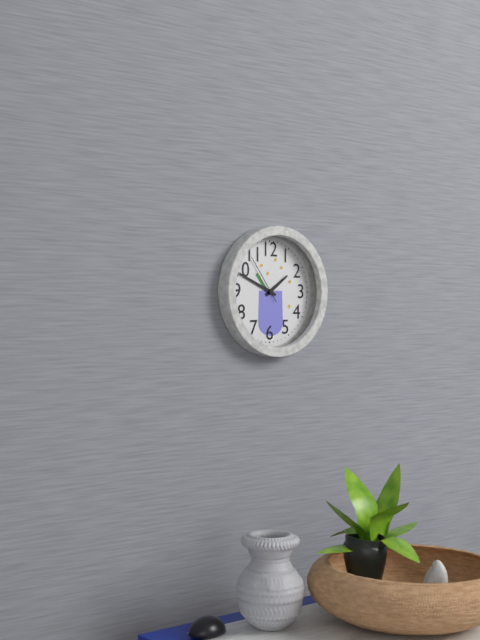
1:49:54
